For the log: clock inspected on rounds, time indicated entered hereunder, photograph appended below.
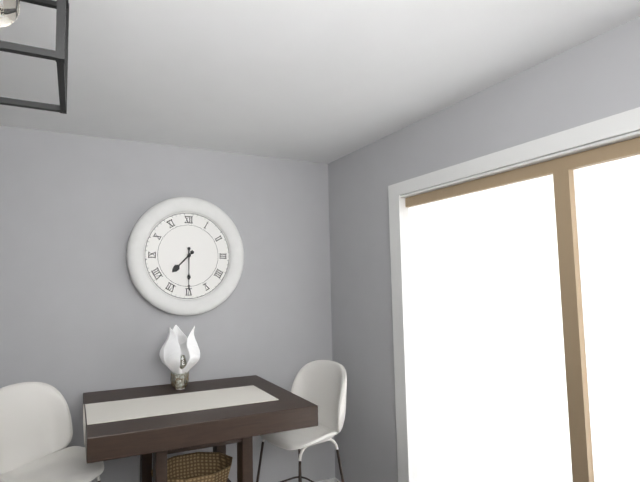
7:30
